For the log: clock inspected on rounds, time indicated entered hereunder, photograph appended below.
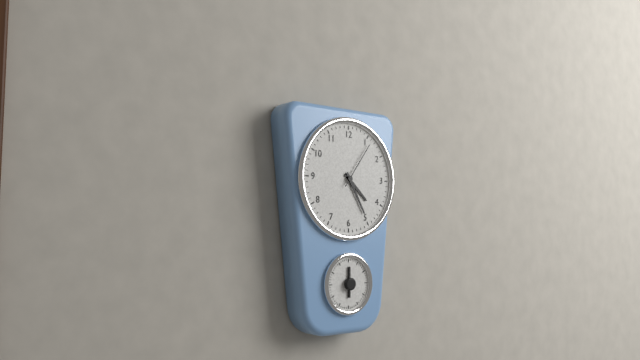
4:25:06
